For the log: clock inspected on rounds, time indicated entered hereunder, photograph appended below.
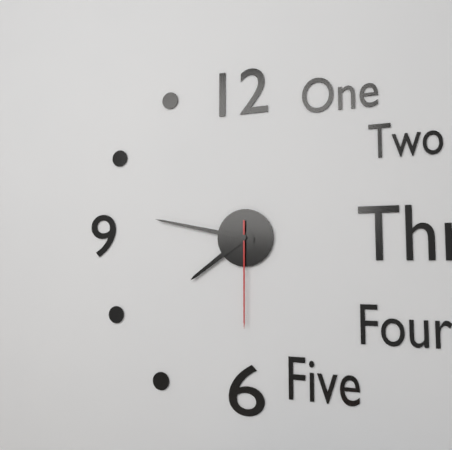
7:47:30
